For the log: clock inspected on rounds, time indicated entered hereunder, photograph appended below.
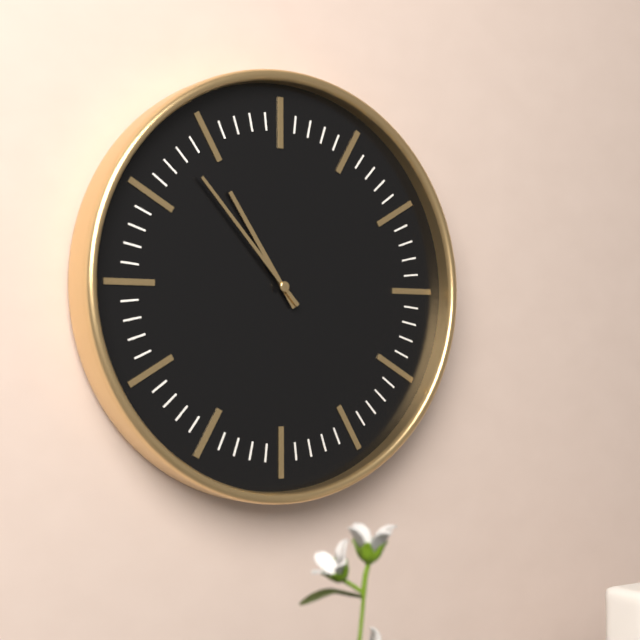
10:53
